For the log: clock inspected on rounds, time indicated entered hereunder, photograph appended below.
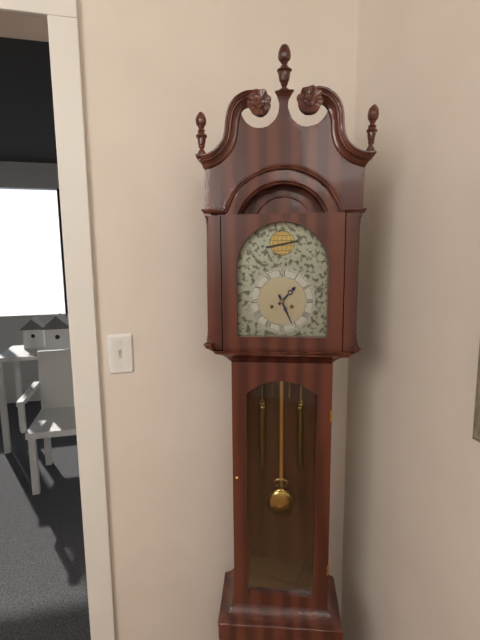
1:26
